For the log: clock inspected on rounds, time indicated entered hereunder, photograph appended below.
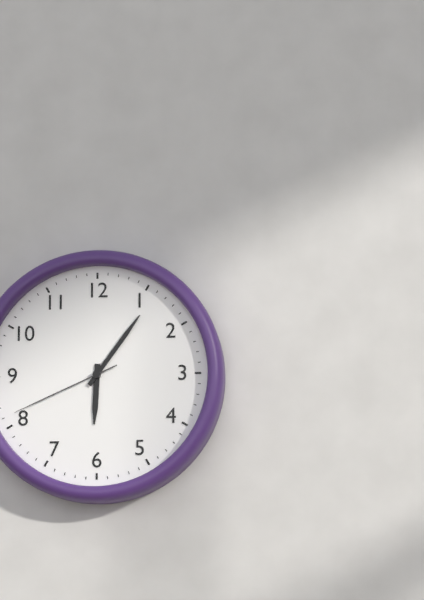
6:06:41
